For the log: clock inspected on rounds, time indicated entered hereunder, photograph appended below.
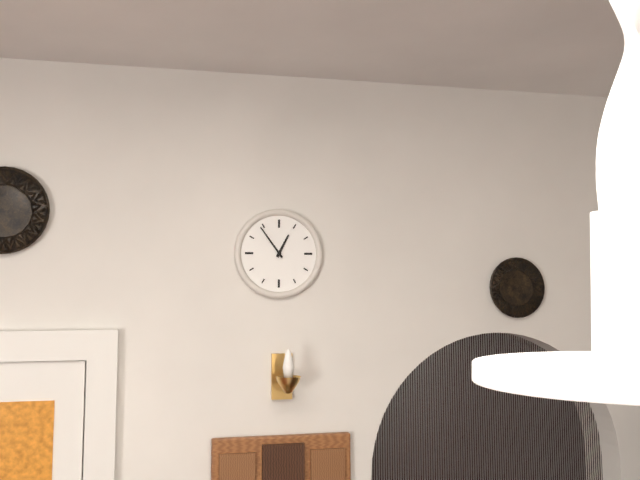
12:54
